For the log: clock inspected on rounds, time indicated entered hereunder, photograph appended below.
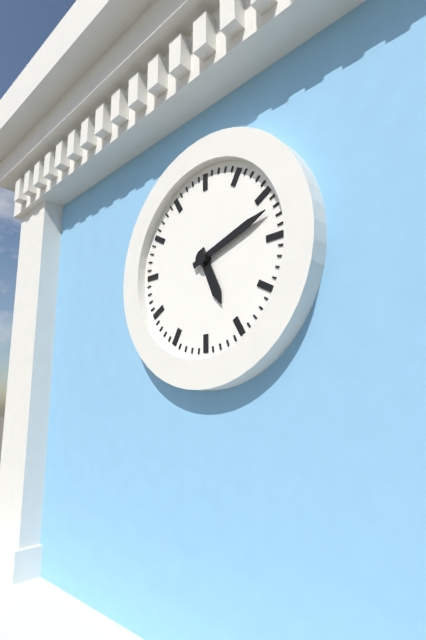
5:12
